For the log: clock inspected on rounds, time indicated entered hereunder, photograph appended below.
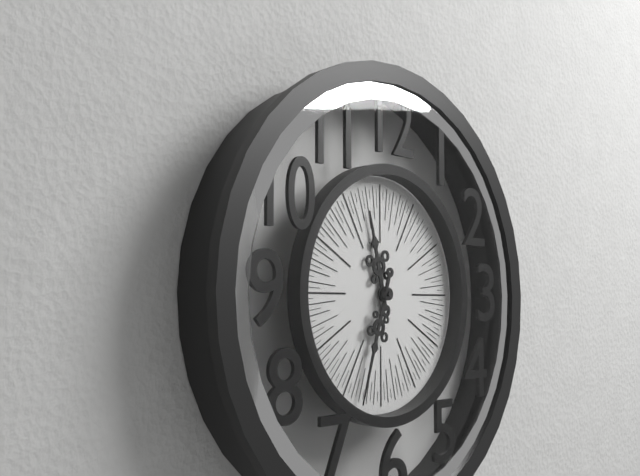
11:33
